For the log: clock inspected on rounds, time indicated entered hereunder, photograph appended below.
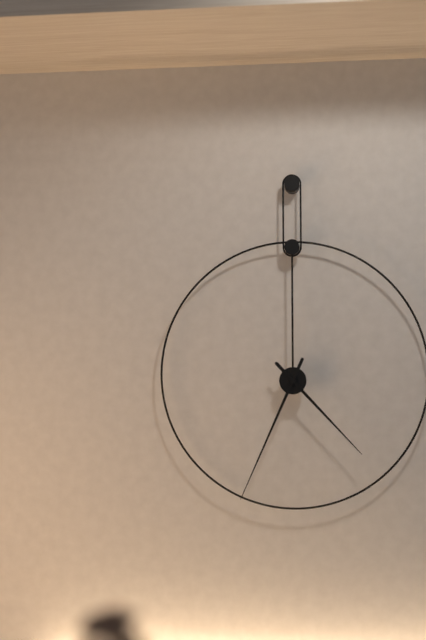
4:34
